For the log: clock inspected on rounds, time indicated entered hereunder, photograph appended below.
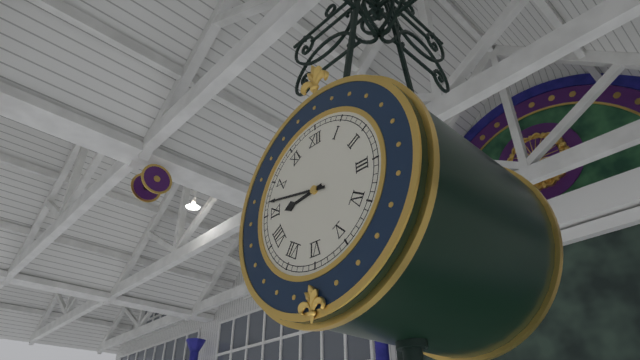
8:47
